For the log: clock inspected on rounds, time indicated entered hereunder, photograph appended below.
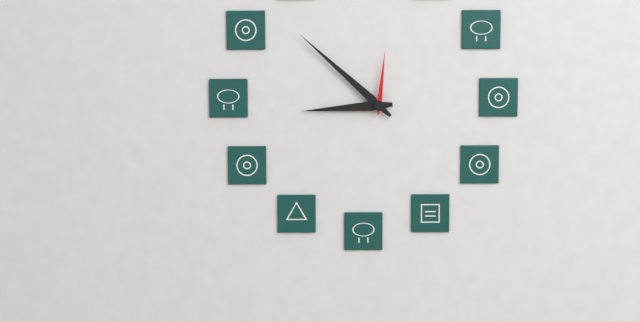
8:52:01
